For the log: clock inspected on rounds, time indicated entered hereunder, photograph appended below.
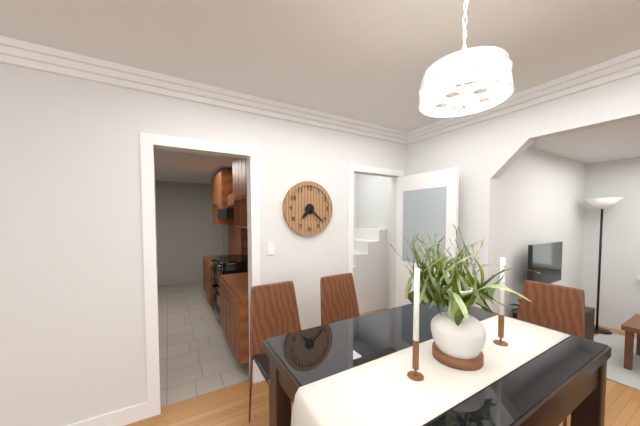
7:22
